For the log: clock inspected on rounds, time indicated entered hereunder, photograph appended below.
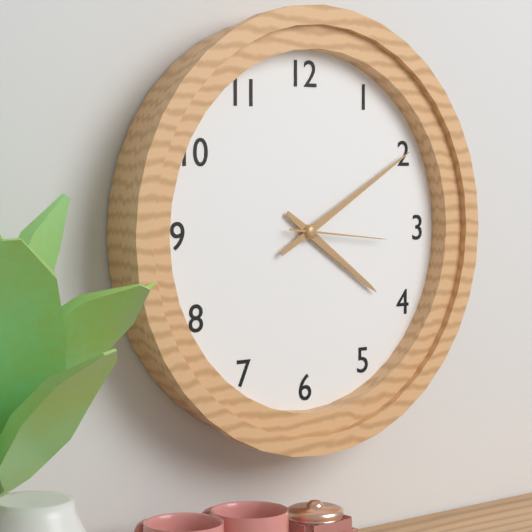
4:10:16
